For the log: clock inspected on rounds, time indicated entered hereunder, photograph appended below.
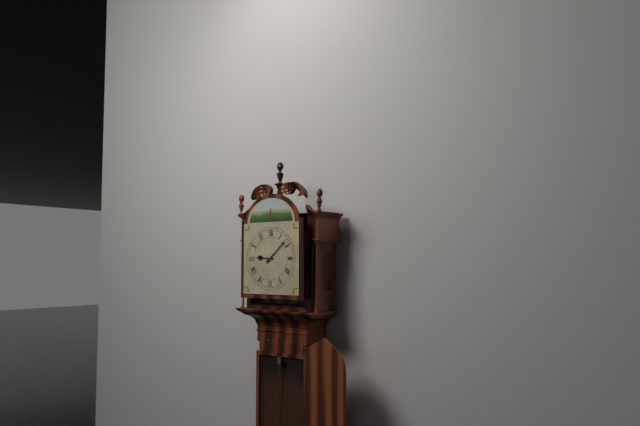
9:08
